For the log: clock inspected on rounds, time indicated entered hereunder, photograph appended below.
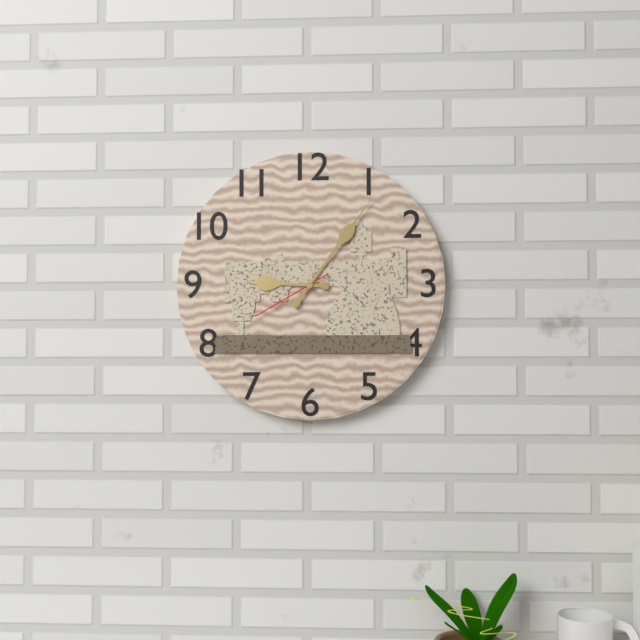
9:06:40
